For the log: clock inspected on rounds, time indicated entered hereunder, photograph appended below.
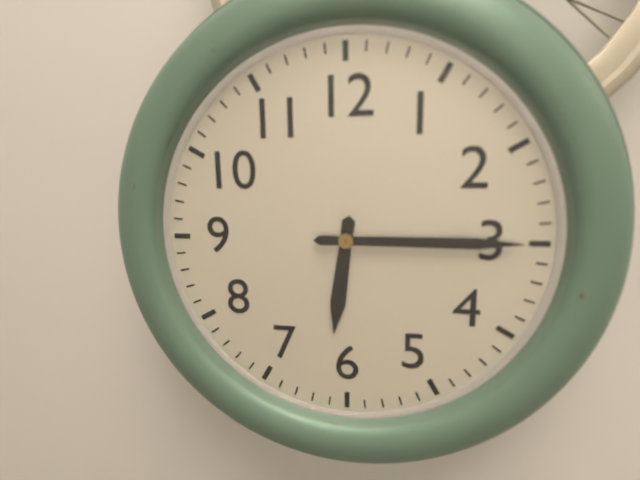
6:15
